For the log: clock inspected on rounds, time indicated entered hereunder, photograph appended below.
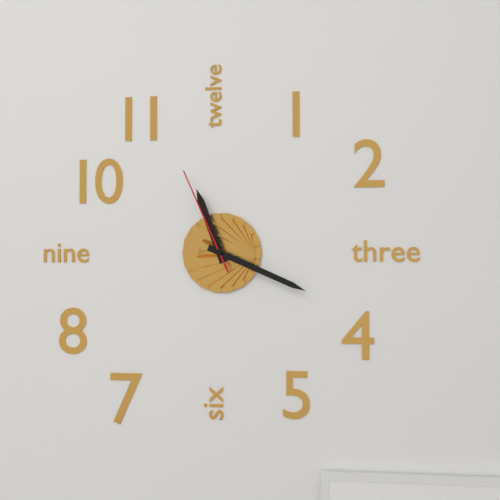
11:19:56
